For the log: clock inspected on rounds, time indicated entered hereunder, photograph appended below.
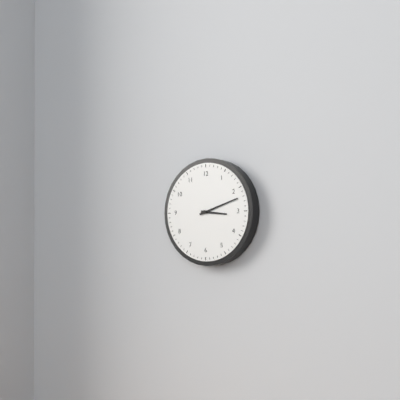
3:12
